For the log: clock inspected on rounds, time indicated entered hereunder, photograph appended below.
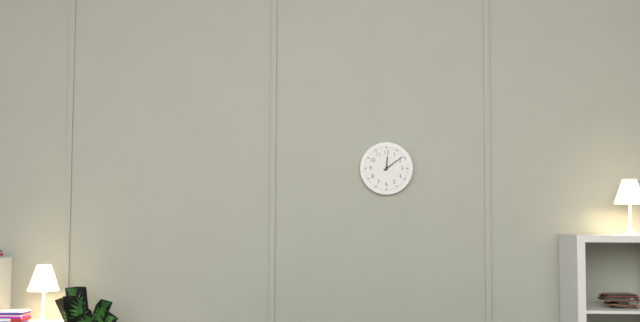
12:09
